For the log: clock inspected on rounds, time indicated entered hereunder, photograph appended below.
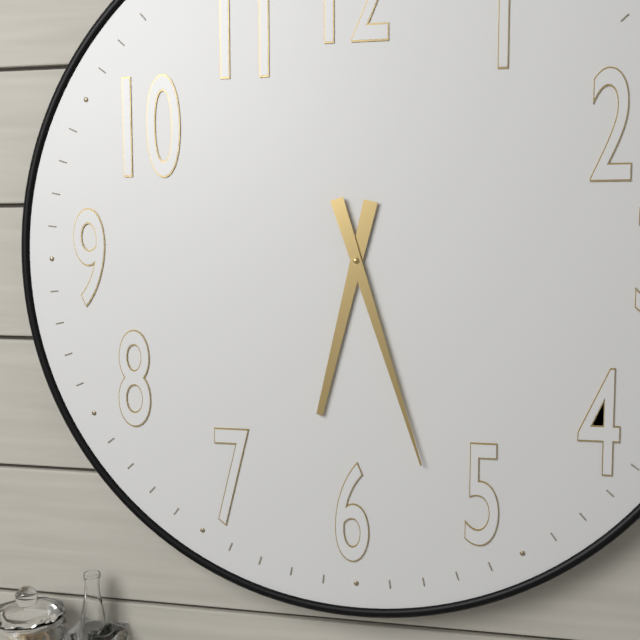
6:27
